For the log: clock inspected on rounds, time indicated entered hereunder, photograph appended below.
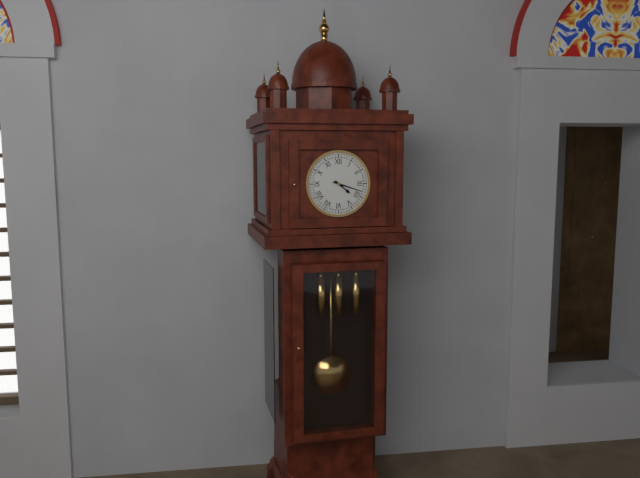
4:18
